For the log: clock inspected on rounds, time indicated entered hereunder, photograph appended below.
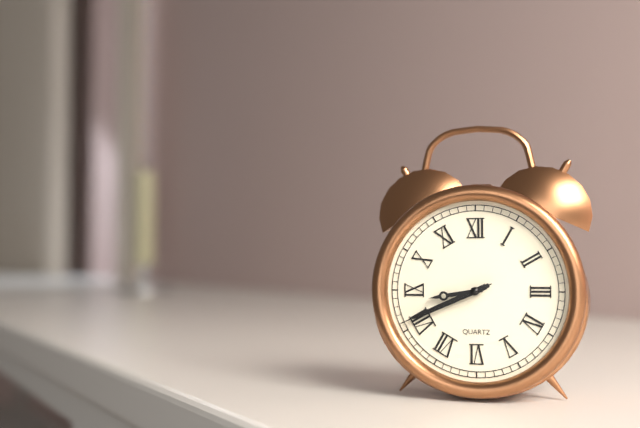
8:41:41
